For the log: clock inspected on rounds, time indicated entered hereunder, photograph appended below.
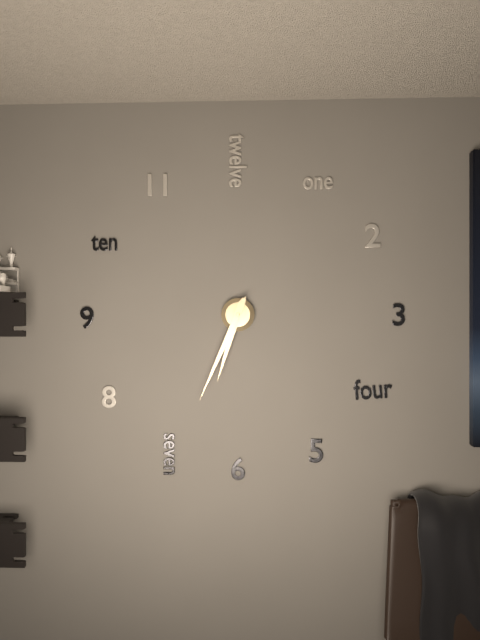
6:34
